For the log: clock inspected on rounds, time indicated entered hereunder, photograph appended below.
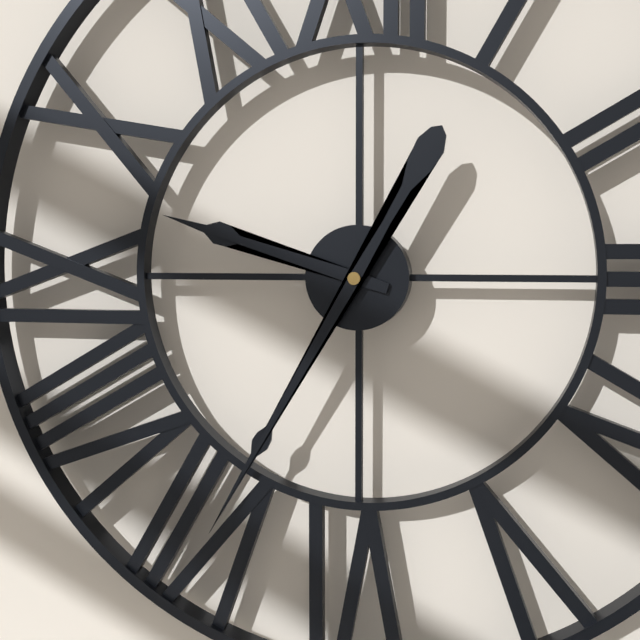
9:35
